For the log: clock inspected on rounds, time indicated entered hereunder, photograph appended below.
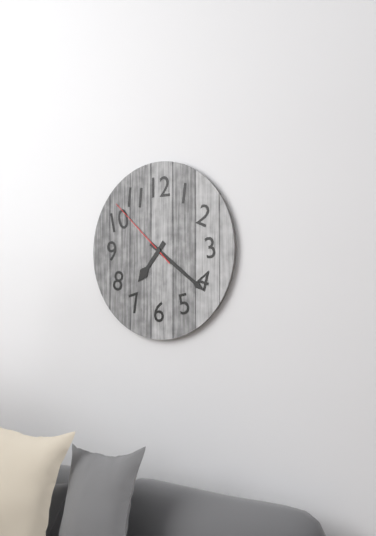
7:21:52
